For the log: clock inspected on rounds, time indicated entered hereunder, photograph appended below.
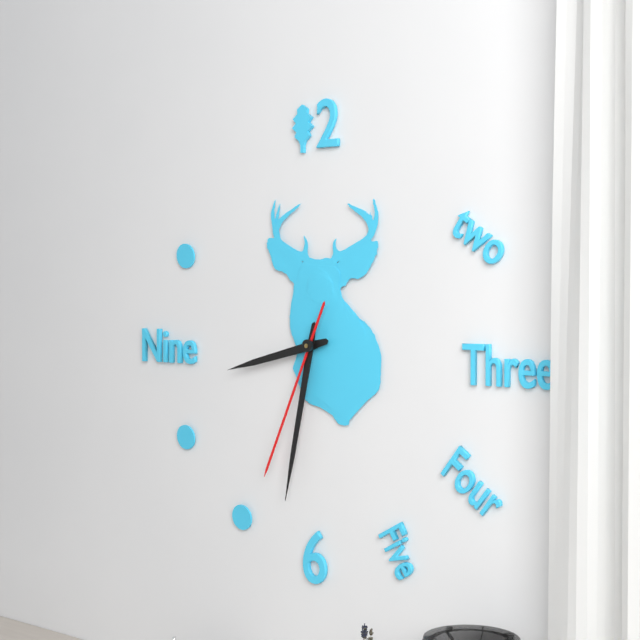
8:32:34
